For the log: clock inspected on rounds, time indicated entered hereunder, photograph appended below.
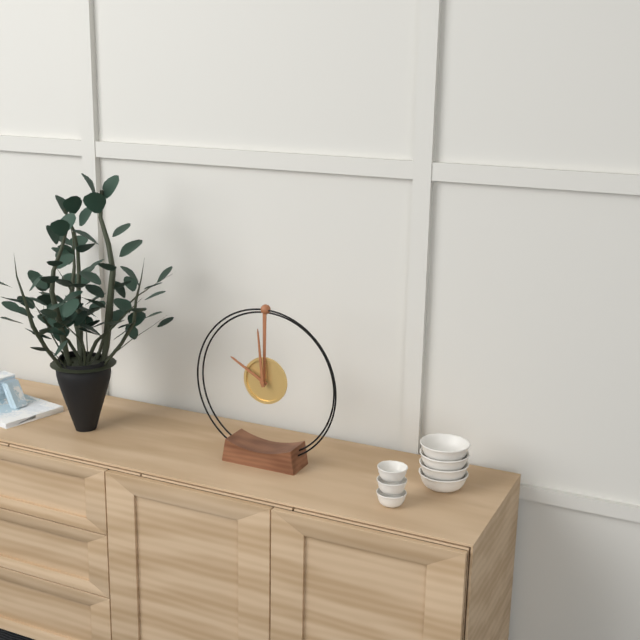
9:59
